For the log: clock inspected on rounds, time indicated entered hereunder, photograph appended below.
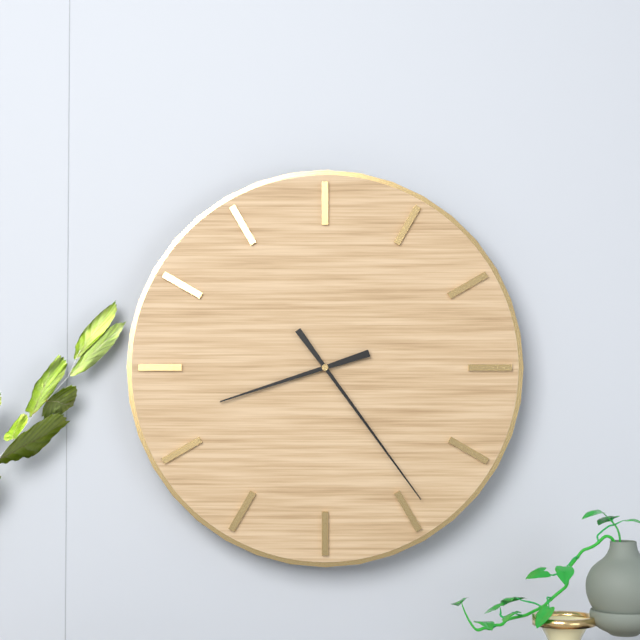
8:24
